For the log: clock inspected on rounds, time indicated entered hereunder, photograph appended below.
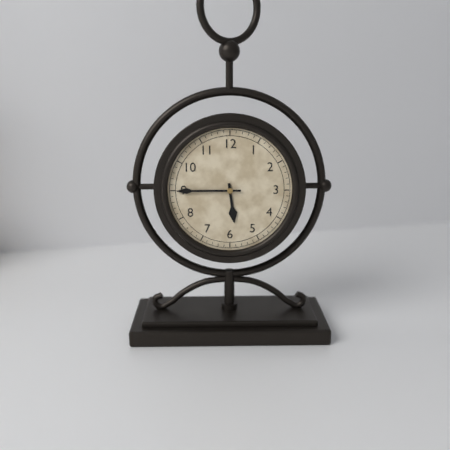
5:45
